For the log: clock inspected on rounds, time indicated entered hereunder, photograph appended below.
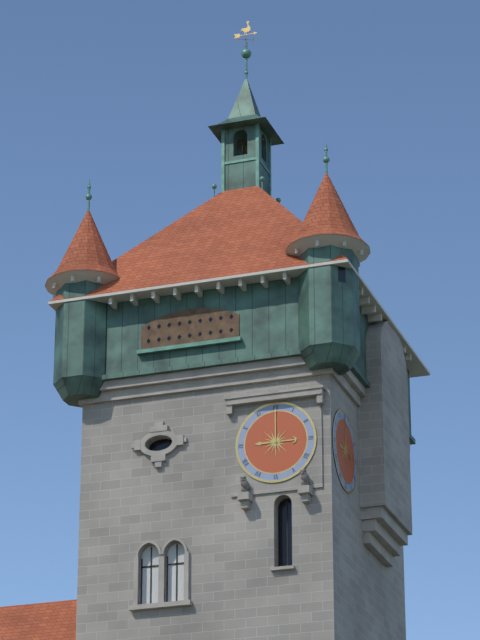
9:00
